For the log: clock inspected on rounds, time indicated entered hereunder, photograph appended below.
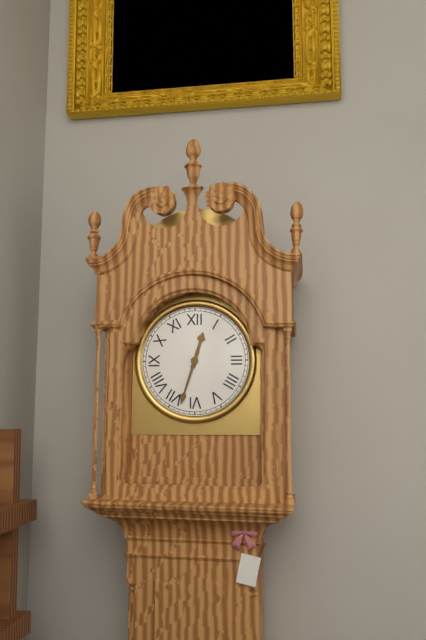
12:33
